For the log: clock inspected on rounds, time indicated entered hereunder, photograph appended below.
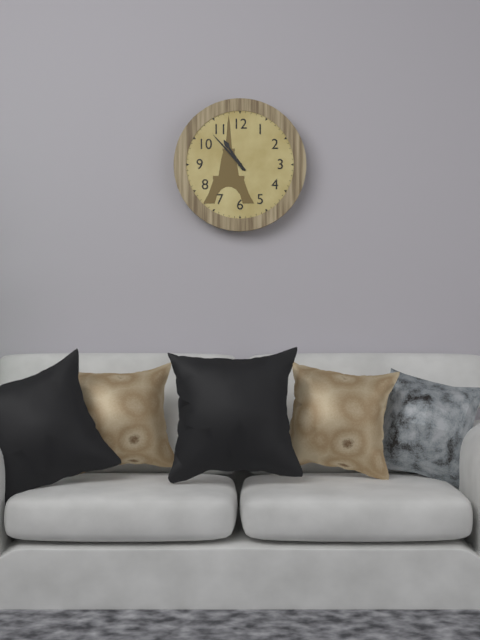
10:53
